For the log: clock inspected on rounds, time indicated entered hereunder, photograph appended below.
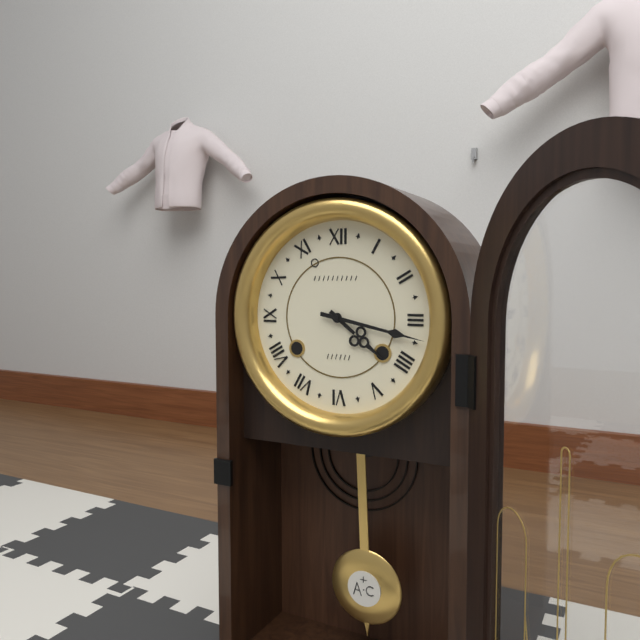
4:17
